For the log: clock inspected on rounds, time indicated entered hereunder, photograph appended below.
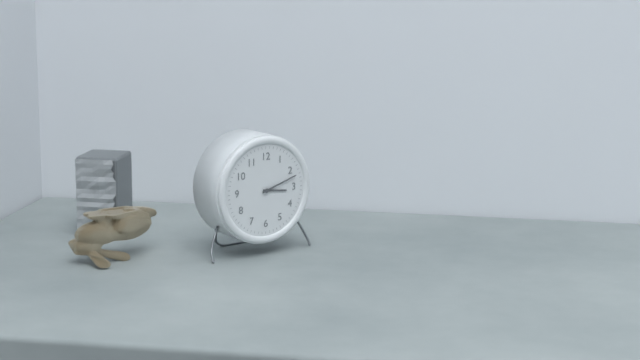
3:12
